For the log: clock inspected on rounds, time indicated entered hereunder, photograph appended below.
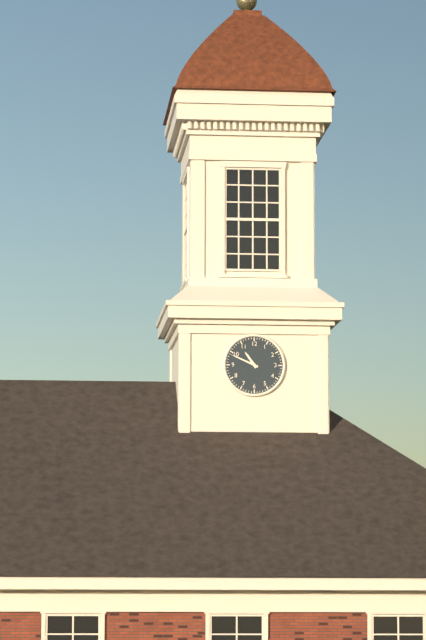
10:49
